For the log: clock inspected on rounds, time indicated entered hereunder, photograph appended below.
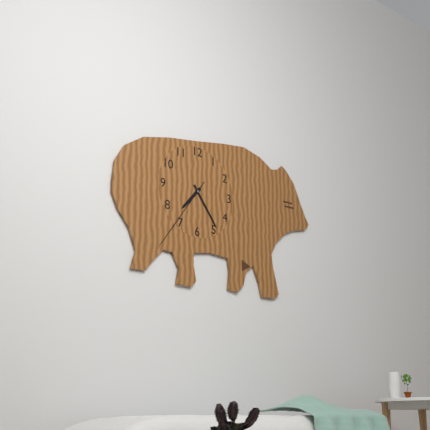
7:24:36
